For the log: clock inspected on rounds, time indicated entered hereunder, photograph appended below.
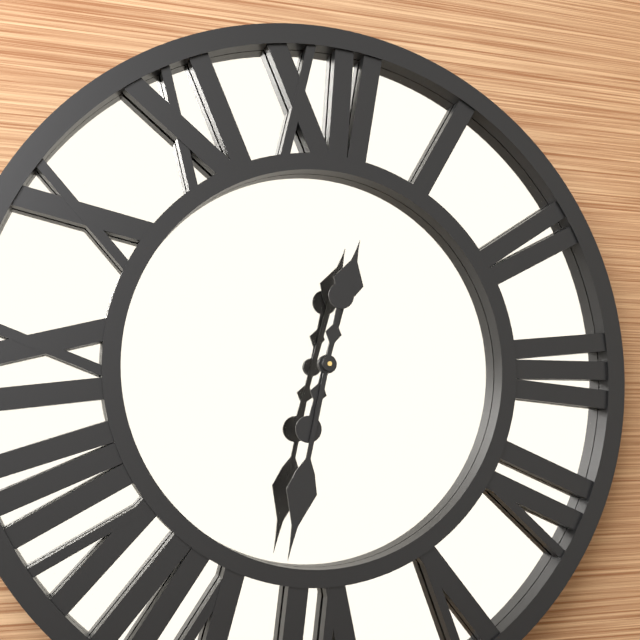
12:32
